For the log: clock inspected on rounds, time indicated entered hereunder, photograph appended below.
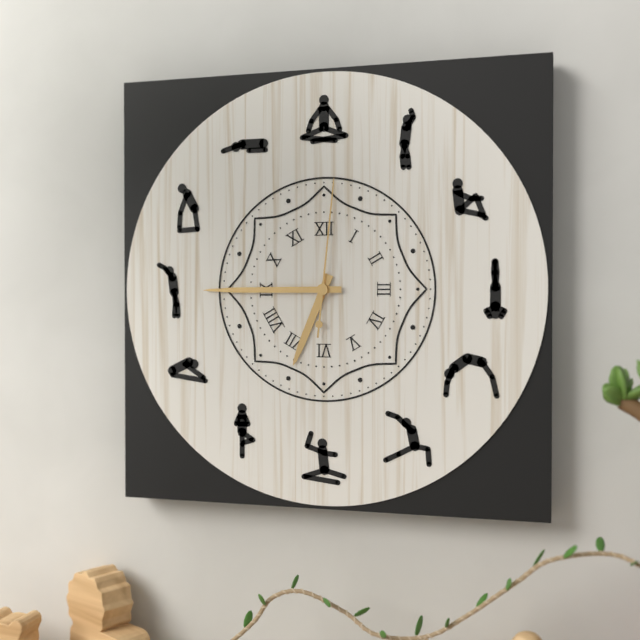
6:45:01
